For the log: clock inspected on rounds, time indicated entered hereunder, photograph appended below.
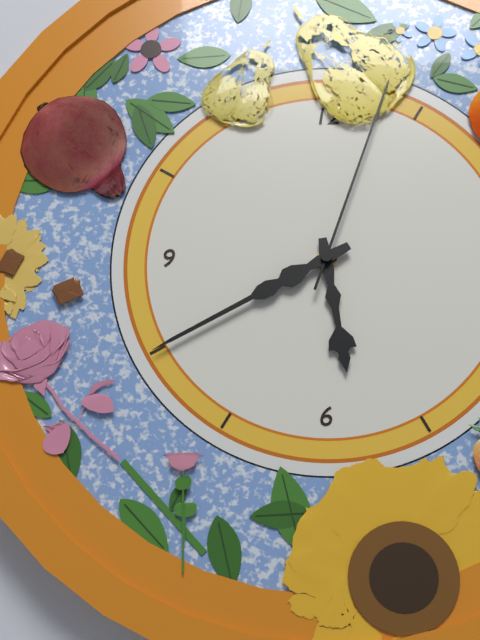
5:40:03
